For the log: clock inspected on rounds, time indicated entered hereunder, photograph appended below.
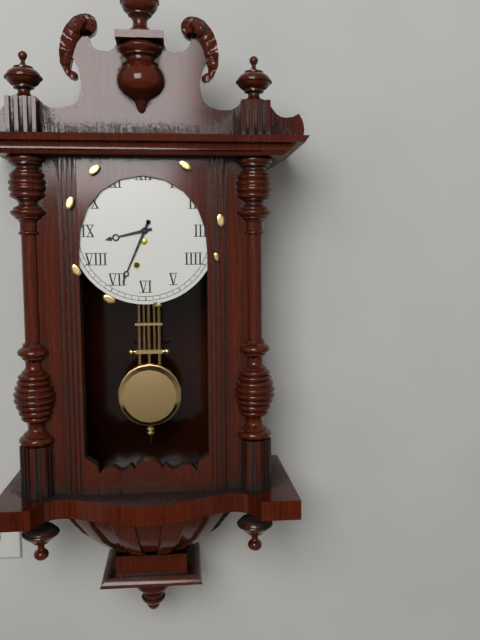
8:34
